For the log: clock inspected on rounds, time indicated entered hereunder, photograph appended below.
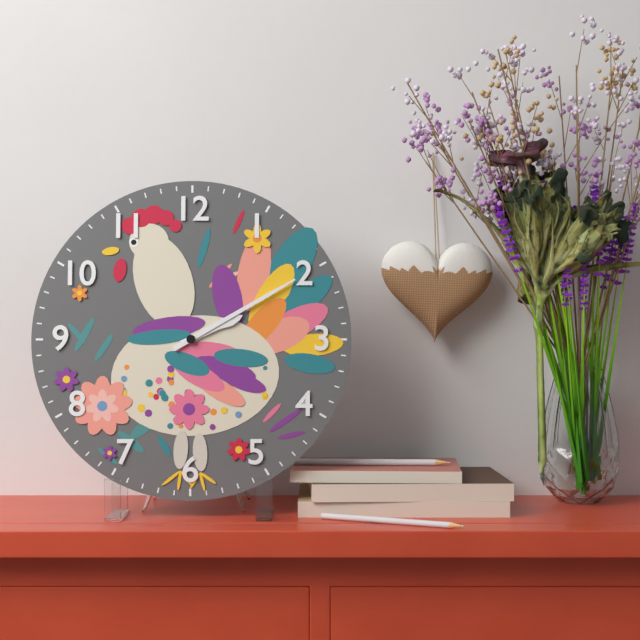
2:10
